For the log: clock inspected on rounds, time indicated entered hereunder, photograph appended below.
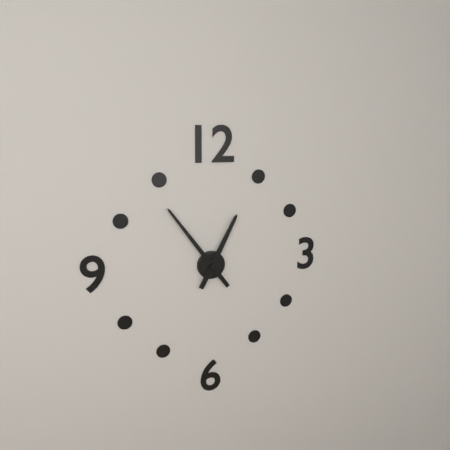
12:54
